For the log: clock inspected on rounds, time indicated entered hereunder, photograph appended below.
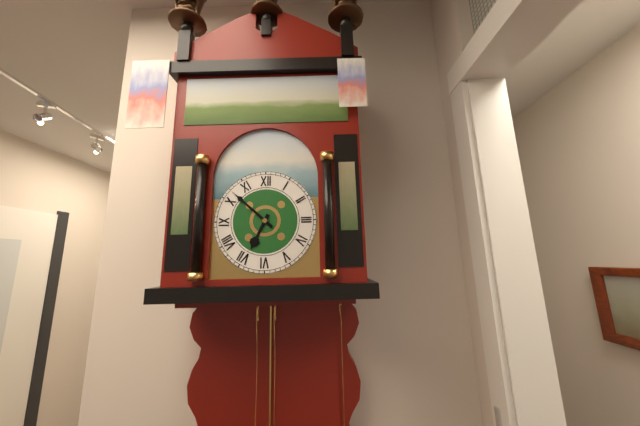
6:52
